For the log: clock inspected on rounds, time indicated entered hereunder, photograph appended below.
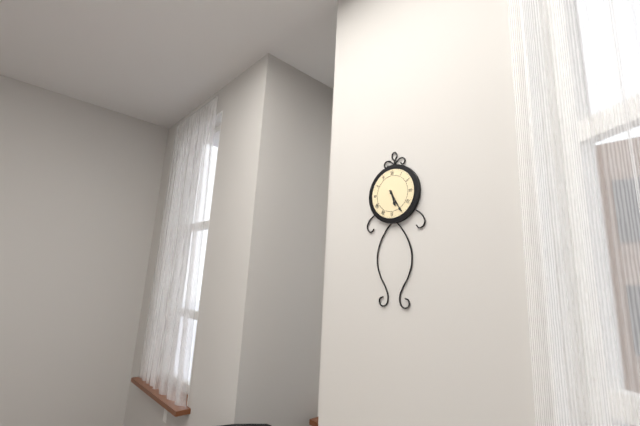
5:25
